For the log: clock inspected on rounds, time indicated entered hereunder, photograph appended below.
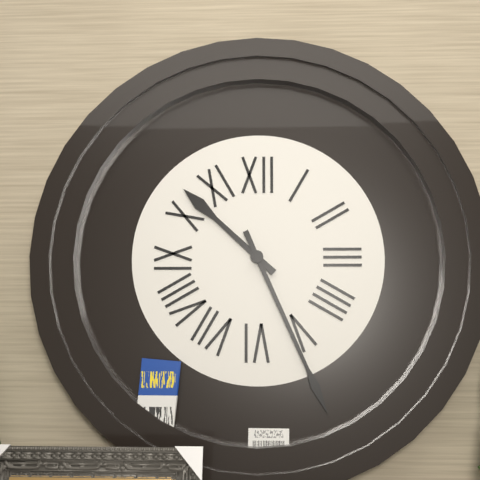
10:26
